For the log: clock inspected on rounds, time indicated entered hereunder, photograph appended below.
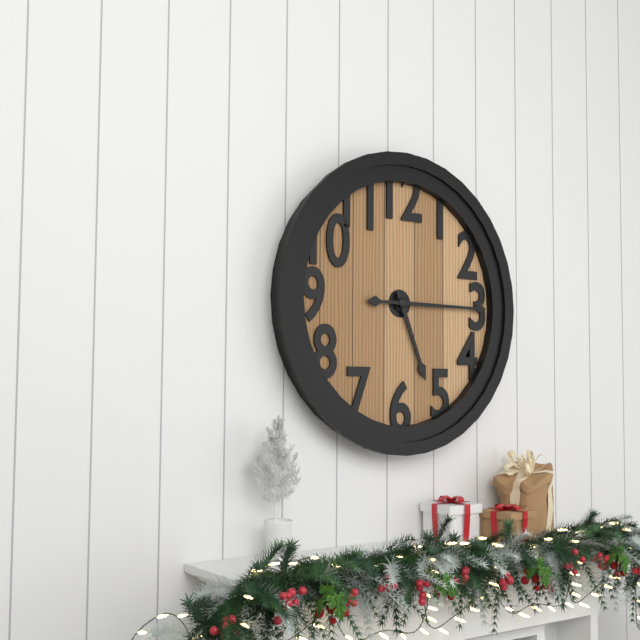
5:15
